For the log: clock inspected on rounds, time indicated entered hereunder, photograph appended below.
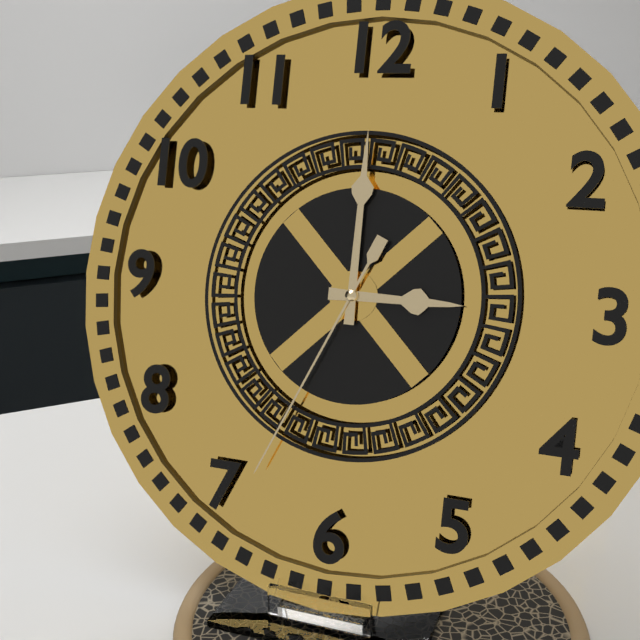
3:00:34
